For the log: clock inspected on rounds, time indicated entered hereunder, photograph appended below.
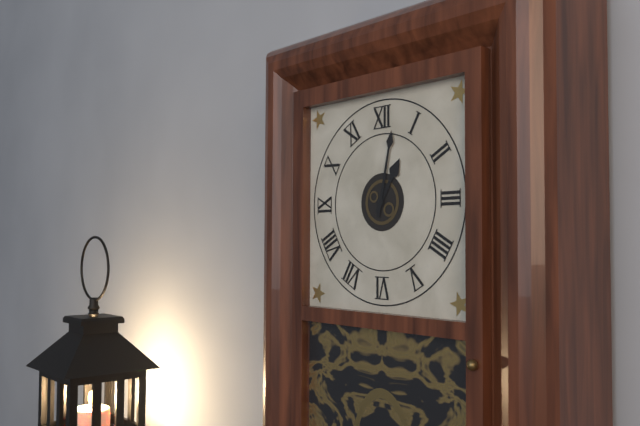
1:02
